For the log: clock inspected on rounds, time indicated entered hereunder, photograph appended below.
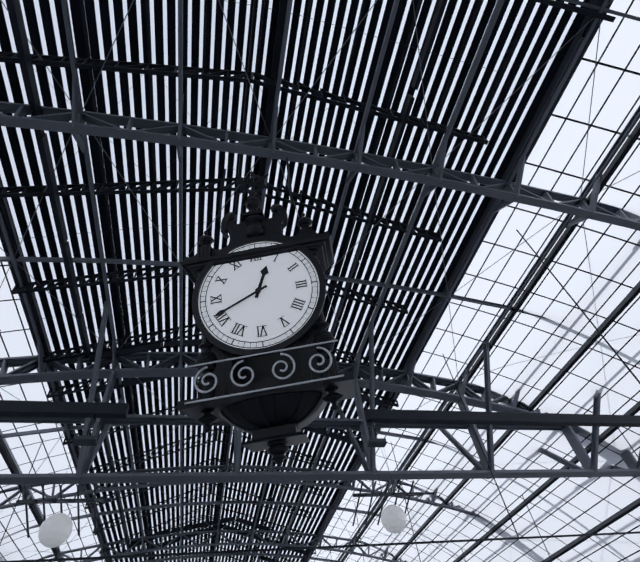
12:41
